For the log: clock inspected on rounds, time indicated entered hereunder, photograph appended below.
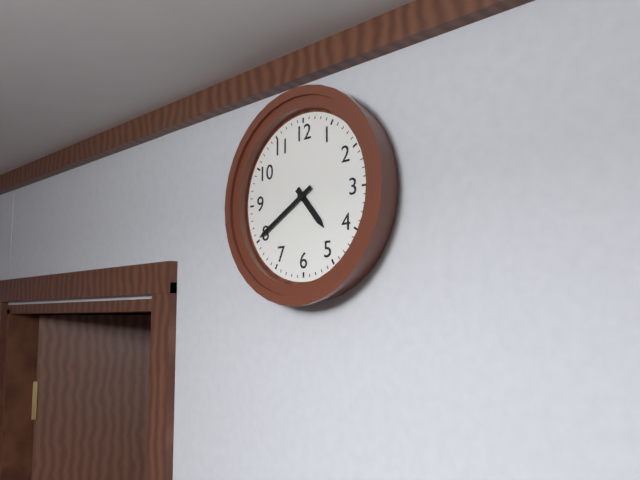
4:40
